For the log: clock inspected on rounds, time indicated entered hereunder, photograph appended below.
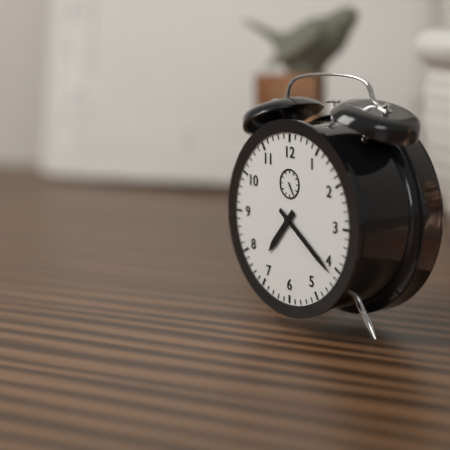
7:21
